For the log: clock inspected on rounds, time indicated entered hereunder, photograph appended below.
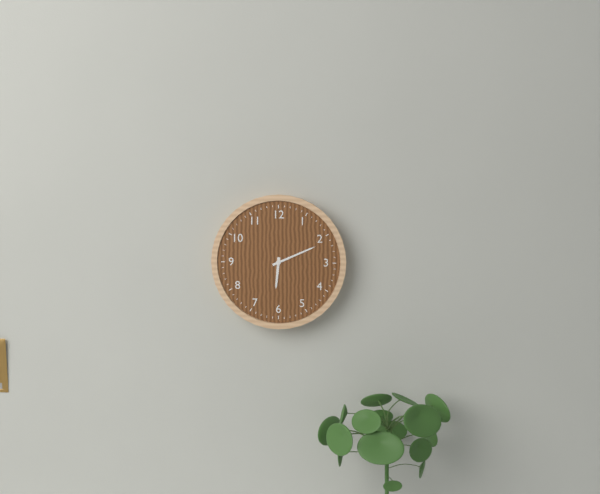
6:11
